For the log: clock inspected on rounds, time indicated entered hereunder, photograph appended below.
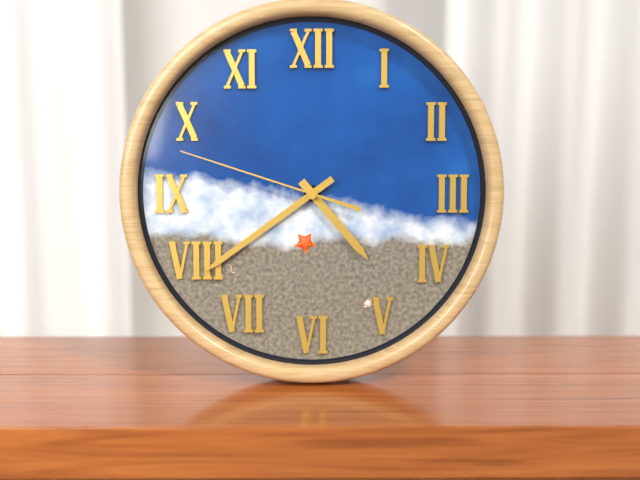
4:39:48
